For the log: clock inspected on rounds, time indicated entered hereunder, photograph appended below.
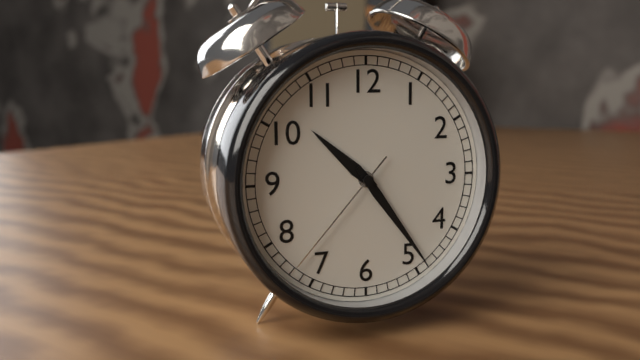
10:24:37
